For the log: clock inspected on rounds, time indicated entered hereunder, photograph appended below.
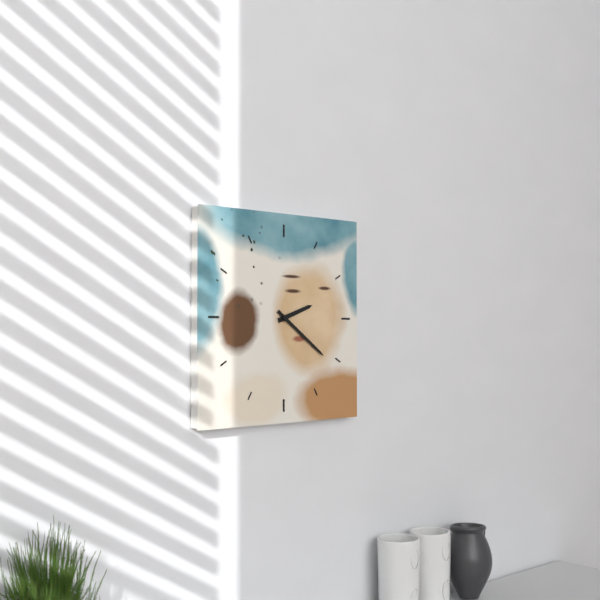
2:21
